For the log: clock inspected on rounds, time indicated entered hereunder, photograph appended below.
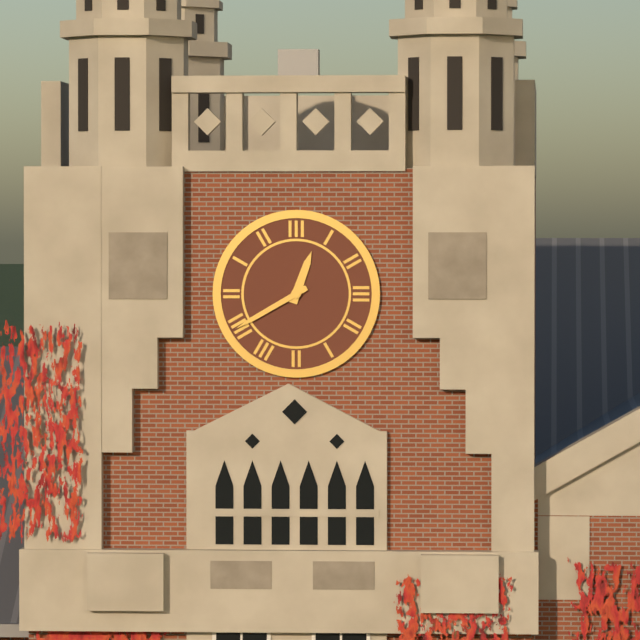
12:40
